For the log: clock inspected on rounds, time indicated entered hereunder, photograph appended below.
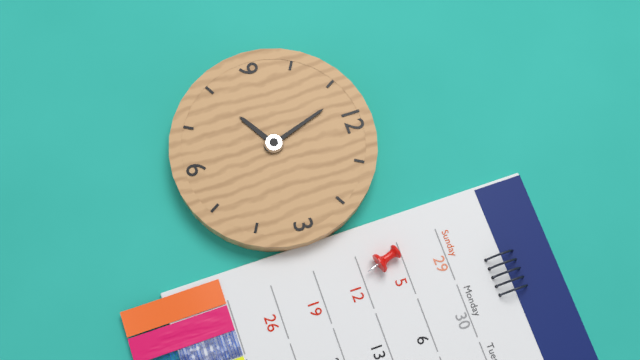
7:57
